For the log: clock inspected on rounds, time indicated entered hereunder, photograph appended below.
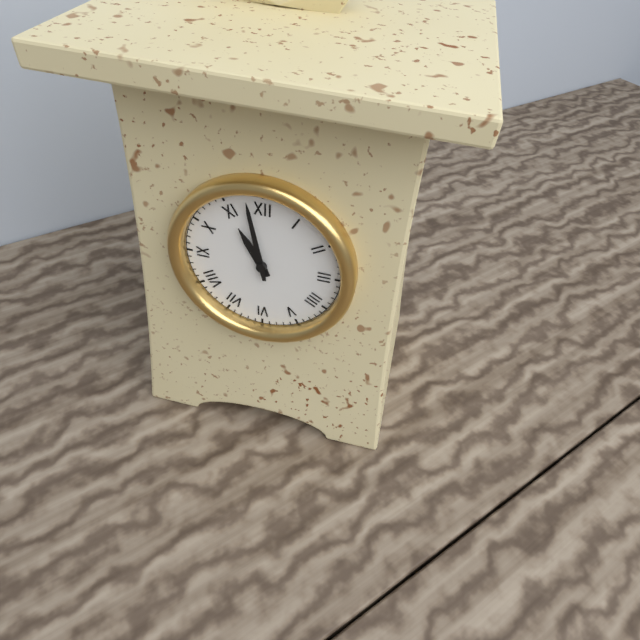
10:58
